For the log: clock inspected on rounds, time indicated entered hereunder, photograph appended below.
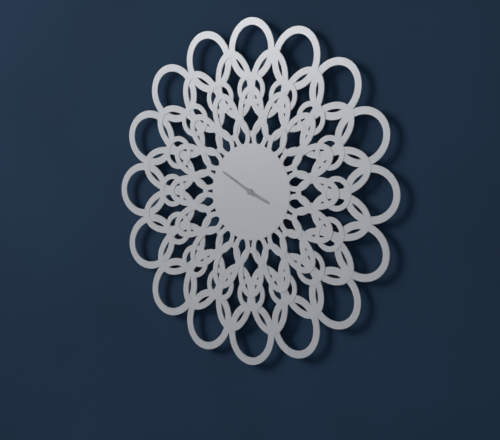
3:50
